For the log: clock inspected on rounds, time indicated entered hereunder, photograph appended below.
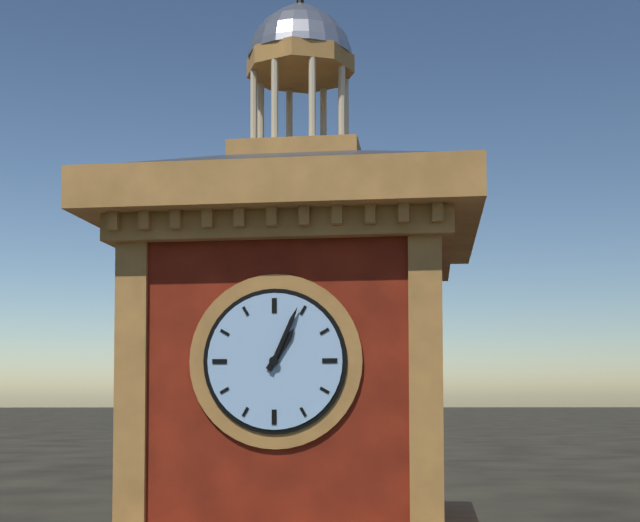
1:04
